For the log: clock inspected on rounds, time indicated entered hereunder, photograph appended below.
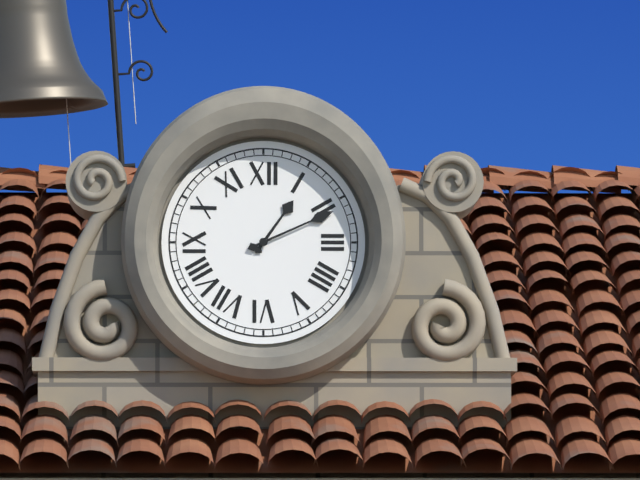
1:11
